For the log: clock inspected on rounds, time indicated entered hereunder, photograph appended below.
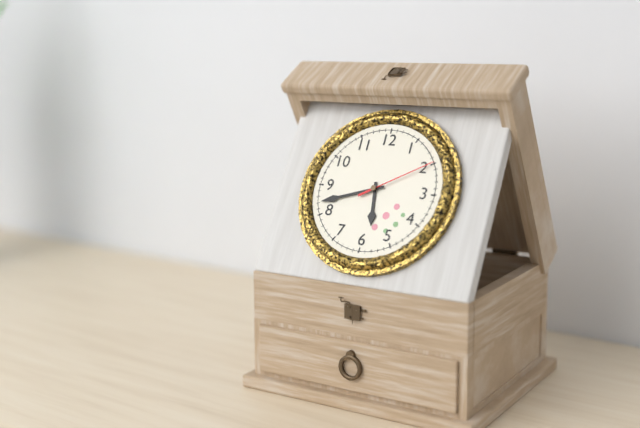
5:42:10
